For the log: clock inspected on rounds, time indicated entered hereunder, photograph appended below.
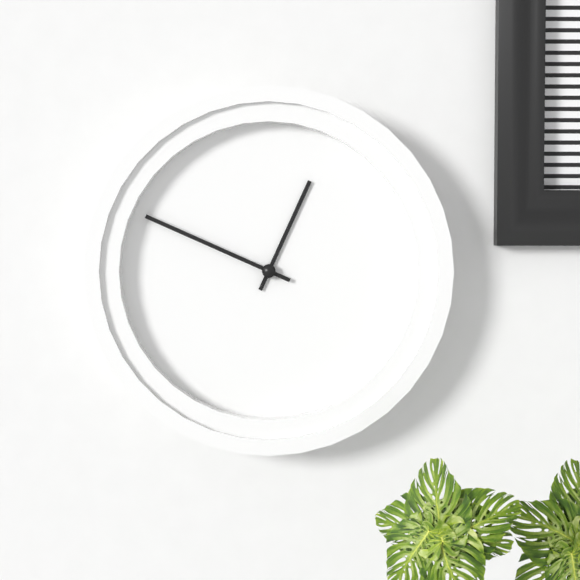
12:49
